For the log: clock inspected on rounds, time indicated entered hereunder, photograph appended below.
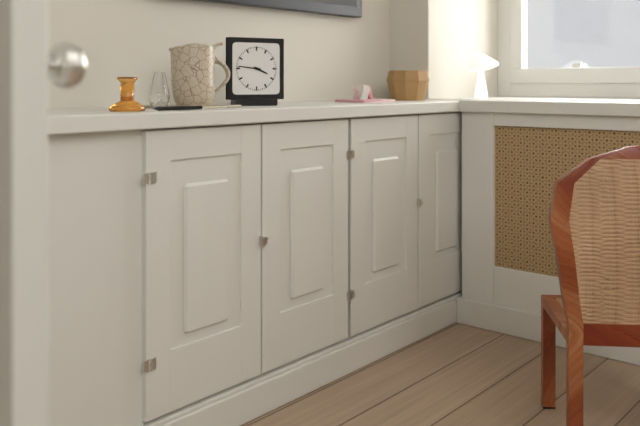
3:46
